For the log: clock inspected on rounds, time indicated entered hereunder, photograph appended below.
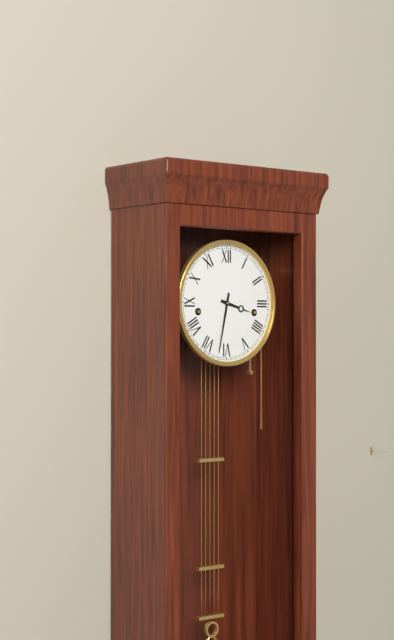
3:32
